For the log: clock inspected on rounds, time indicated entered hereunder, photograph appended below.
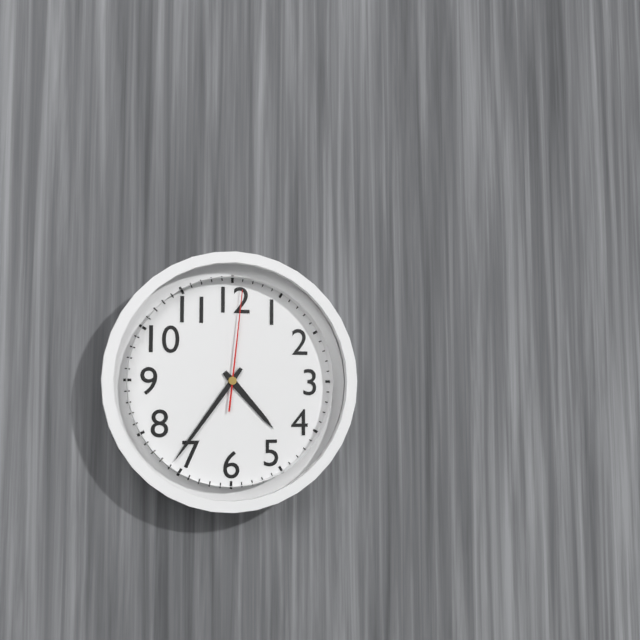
4:36:01
